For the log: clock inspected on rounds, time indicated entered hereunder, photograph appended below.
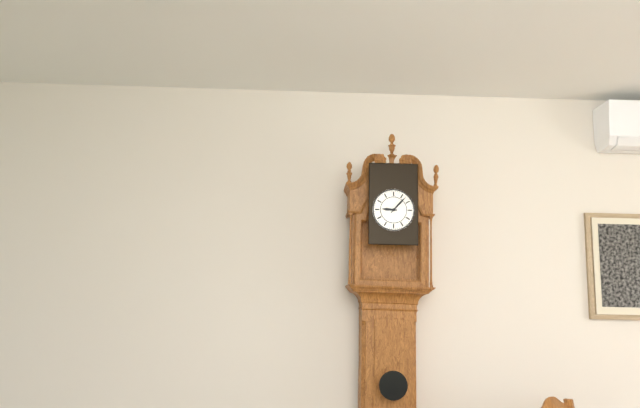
9:07
